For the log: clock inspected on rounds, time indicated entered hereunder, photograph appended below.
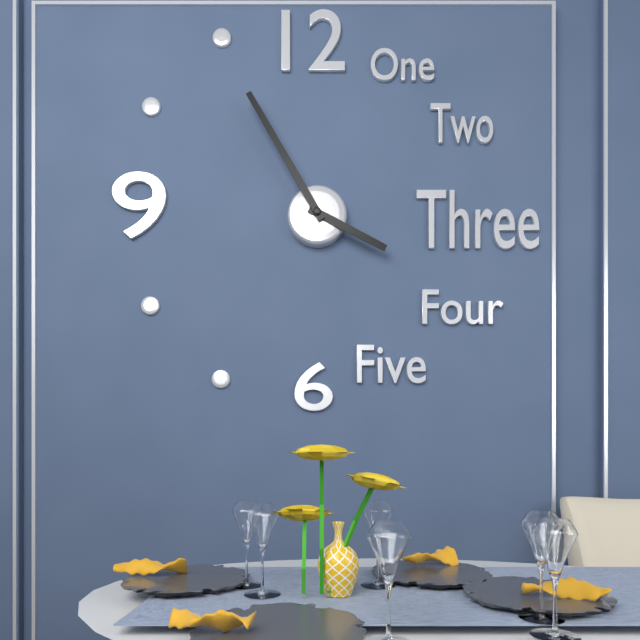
3:55
